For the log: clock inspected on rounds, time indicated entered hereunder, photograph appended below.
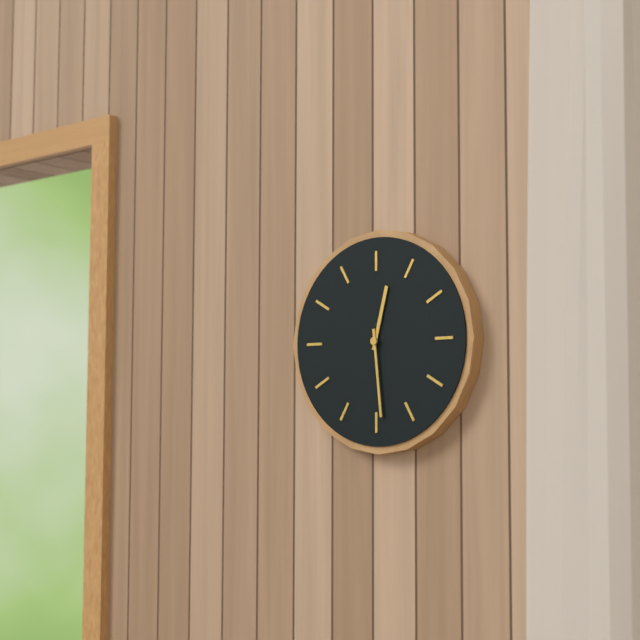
12:29
